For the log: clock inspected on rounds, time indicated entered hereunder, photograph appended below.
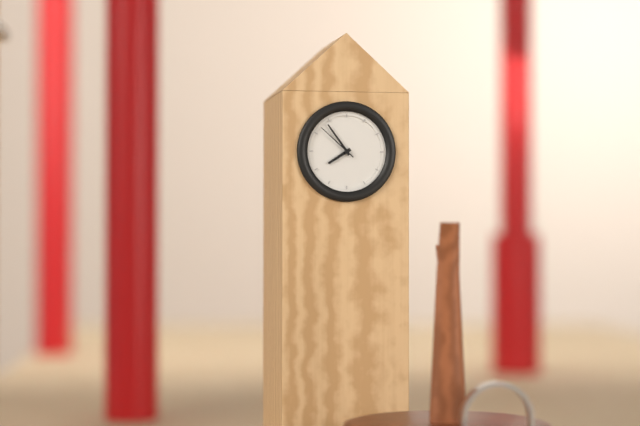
7:54
